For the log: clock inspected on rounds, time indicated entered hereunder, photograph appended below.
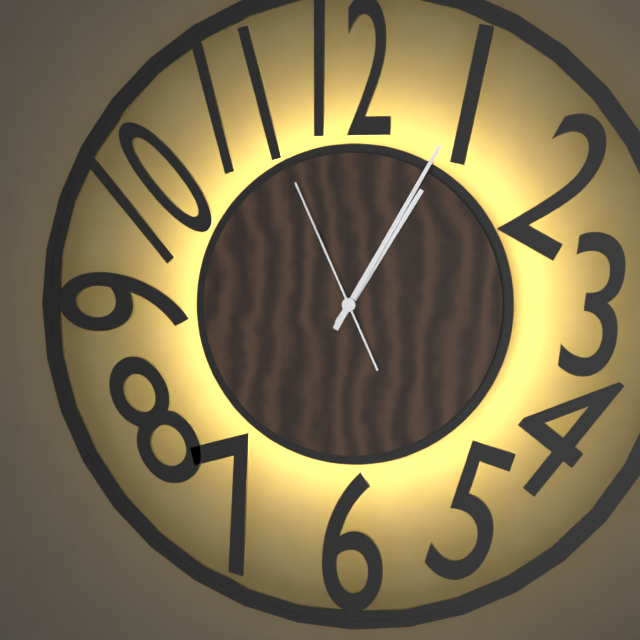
1:05:56
